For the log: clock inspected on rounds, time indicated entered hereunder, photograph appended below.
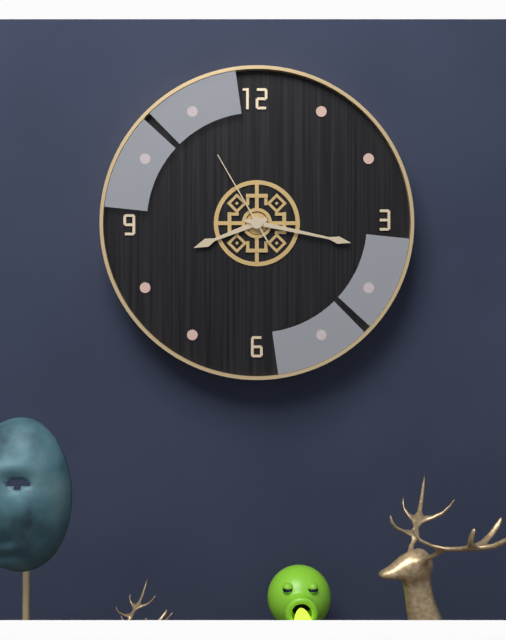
8:17:55
